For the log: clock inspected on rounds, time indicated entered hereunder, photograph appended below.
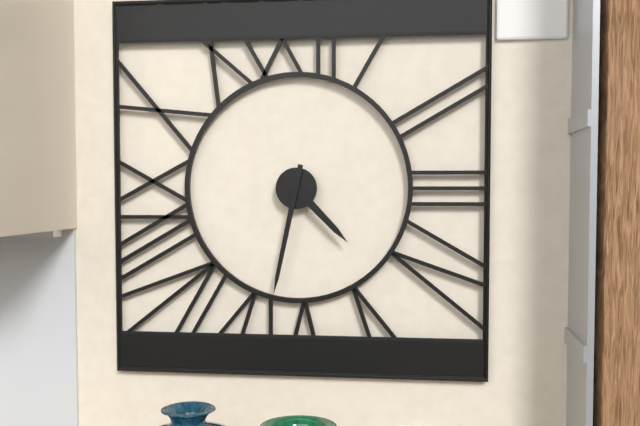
4:32
